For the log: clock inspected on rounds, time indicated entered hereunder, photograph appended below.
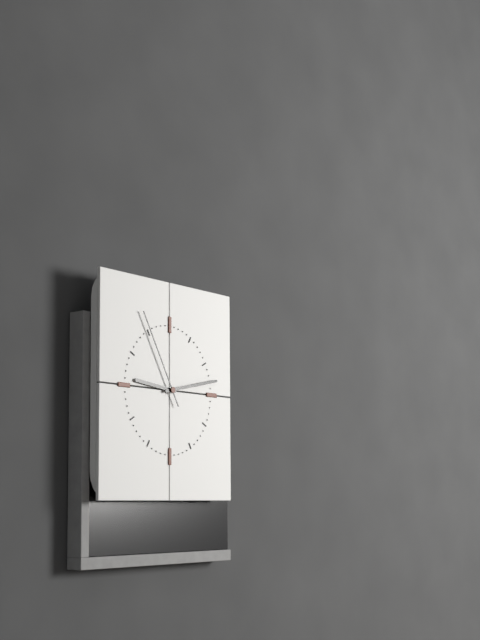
9:13:55
